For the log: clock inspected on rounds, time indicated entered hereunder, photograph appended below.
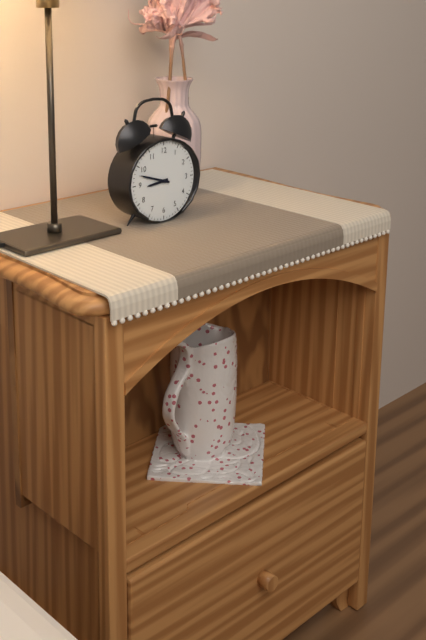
8:48
